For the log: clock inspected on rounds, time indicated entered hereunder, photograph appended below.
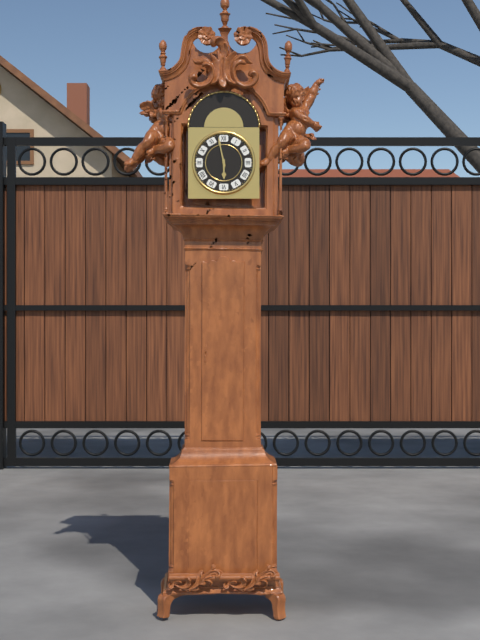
5:58
